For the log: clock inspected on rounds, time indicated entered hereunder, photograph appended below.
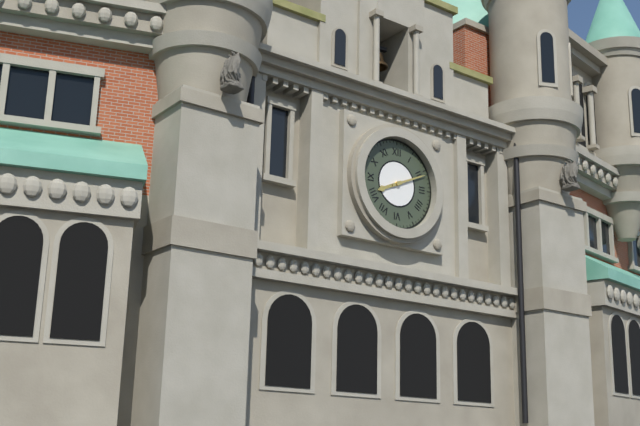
8:11
